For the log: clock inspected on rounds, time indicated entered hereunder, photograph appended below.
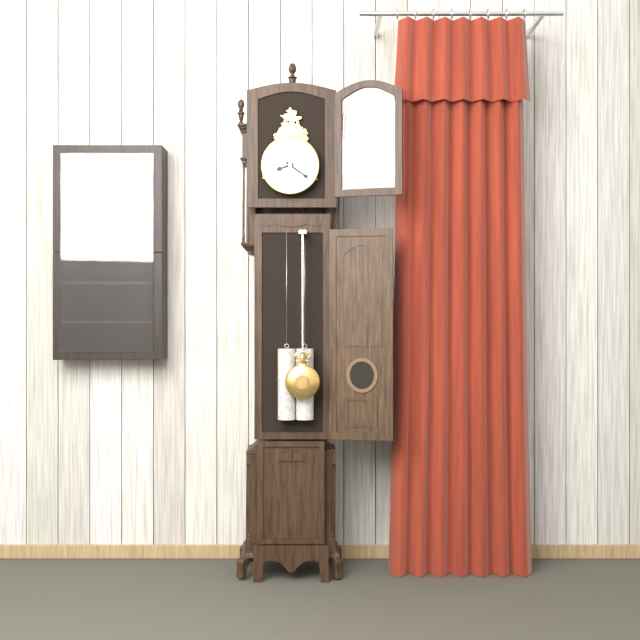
8:21
